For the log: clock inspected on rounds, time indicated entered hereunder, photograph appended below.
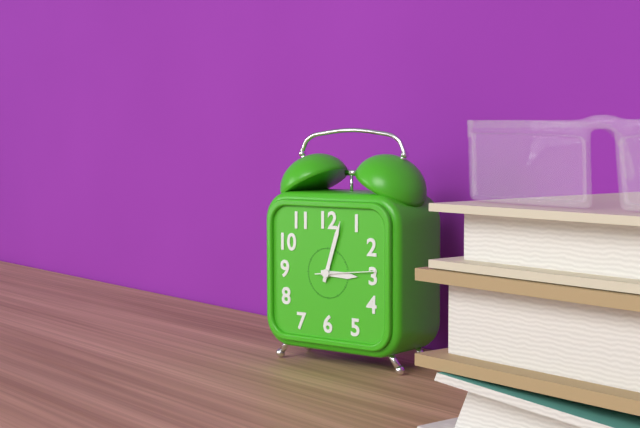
3:03
